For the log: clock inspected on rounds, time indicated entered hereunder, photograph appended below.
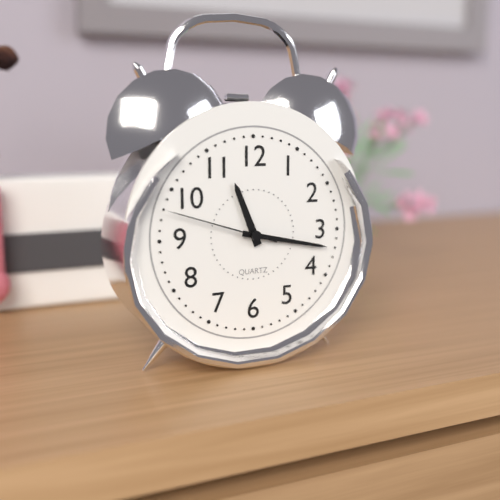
11:17:48
